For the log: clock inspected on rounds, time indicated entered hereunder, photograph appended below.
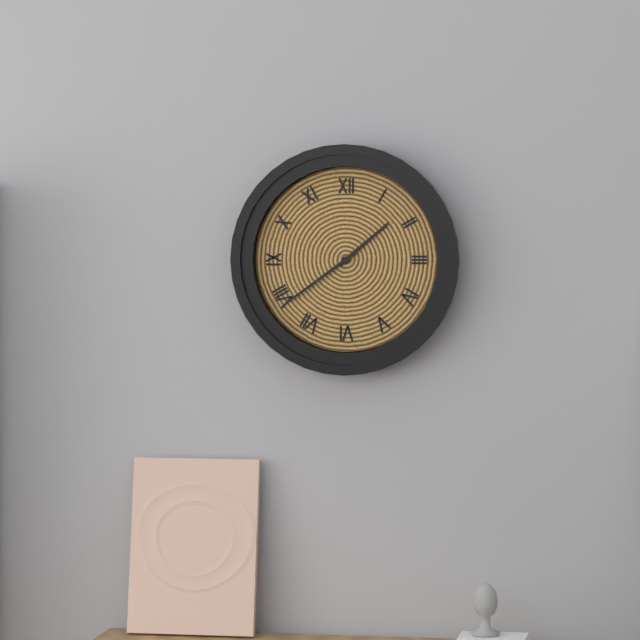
1:39
